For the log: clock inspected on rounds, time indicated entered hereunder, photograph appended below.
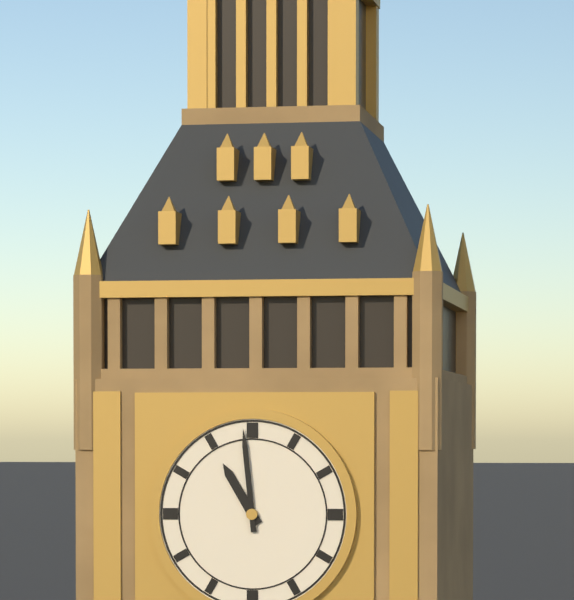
10:59
